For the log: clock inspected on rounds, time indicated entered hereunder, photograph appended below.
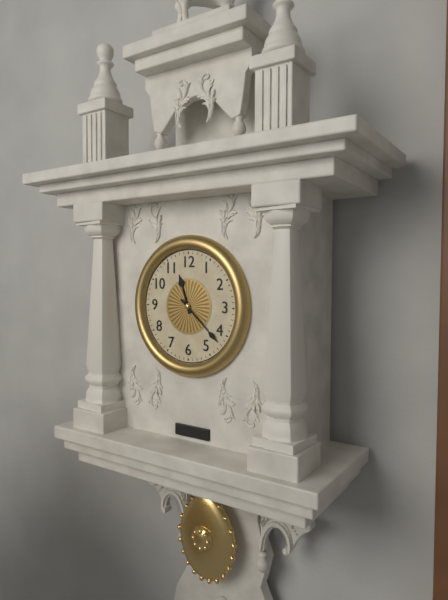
11:22
